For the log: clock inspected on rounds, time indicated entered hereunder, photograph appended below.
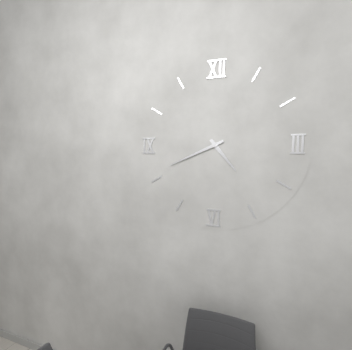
4:41
